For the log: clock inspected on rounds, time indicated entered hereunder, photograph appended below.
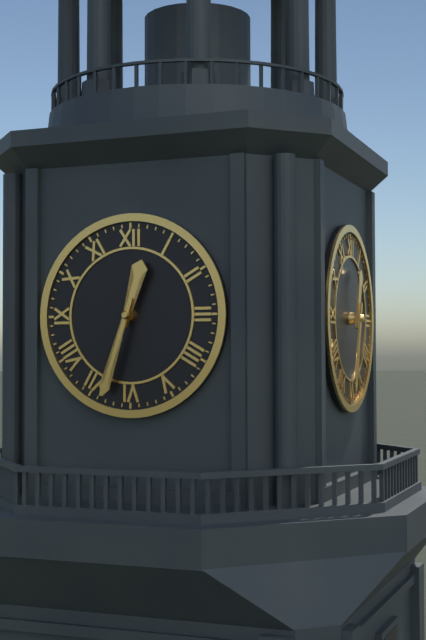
12:33
